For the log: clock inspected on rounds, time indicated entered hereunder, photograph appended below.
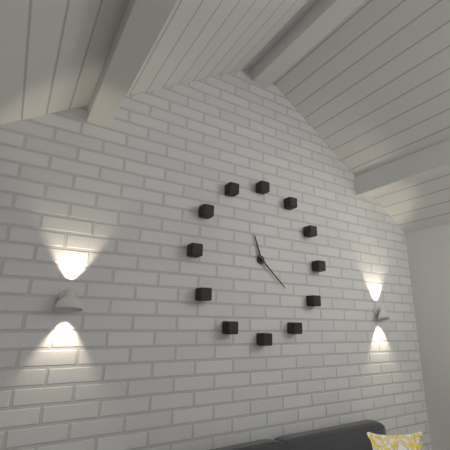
11:22
